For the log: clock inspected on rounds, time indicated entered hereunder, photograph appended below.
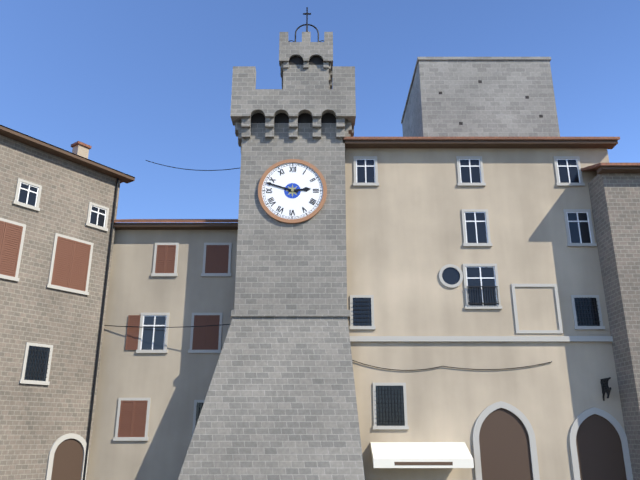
2:48
